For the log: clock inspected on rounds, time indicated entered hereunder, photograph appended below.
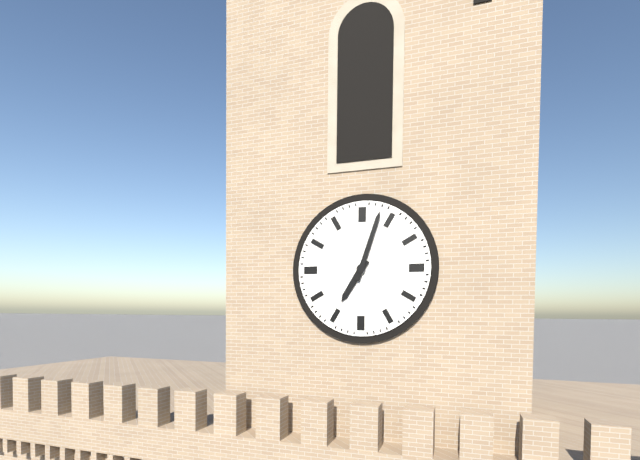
7:03
